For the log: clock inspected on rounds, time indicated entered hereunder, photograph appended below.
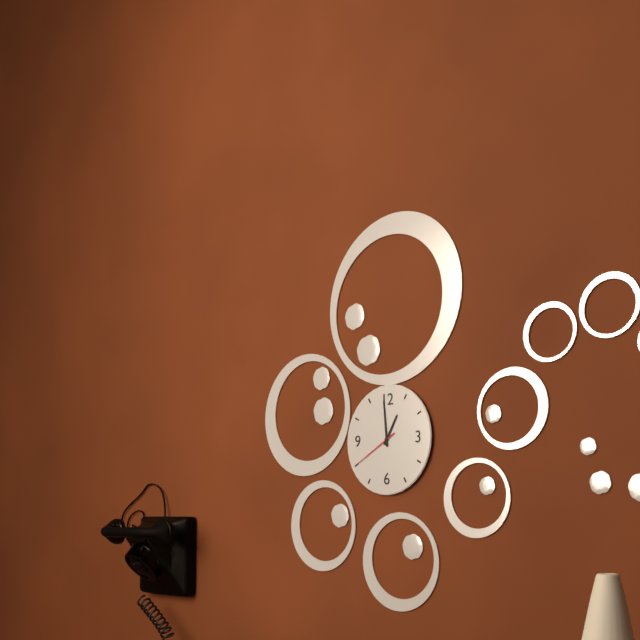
12:59:40
